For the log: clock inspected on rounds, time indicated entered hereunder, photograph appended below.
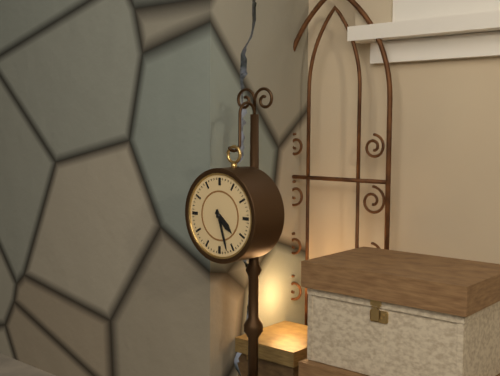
4:27
